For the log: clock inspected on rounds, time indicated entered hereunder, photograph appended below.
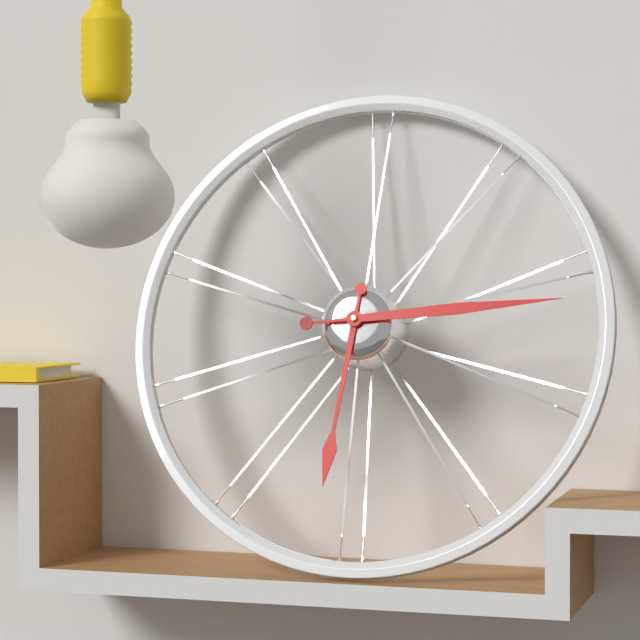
6:14
